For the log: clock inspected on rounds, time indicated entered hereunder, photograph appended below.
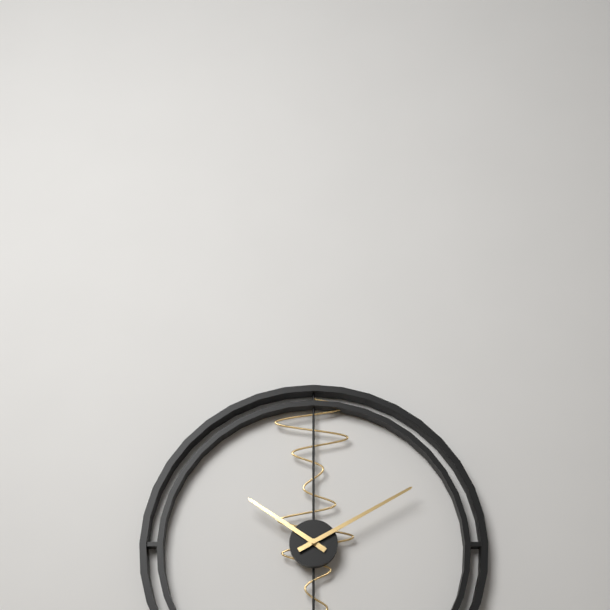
10:10
